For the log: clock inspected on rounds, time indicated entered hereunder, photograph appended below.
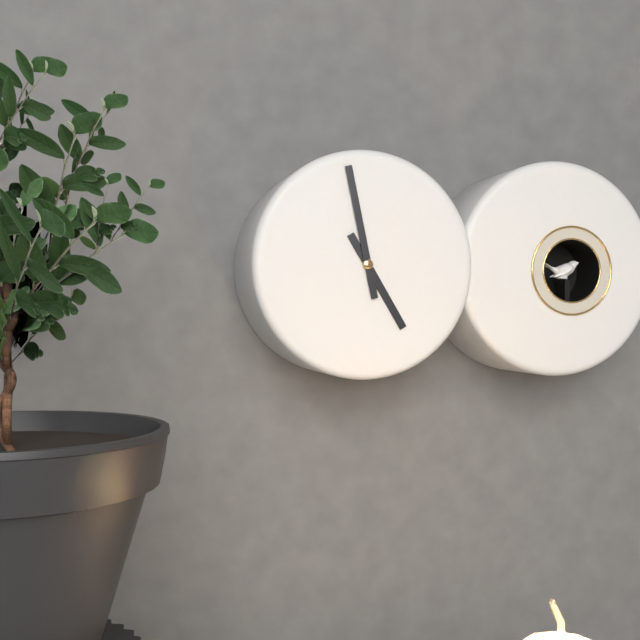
4:58
